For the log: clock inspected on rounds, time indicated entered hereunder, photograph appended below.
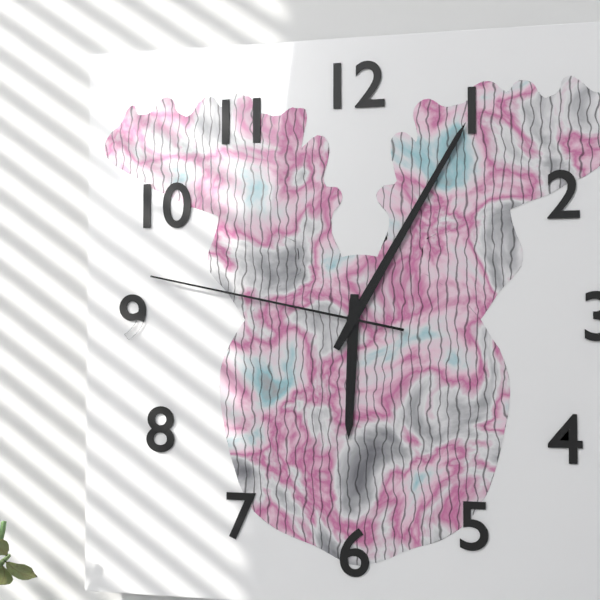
6:05:47
